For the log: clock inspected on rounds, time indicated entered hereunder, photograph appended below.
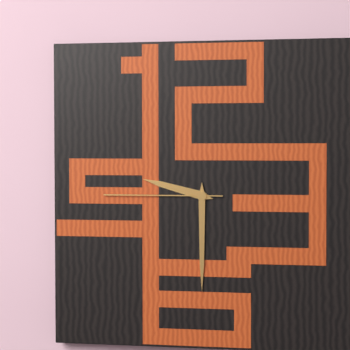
9:30:45
